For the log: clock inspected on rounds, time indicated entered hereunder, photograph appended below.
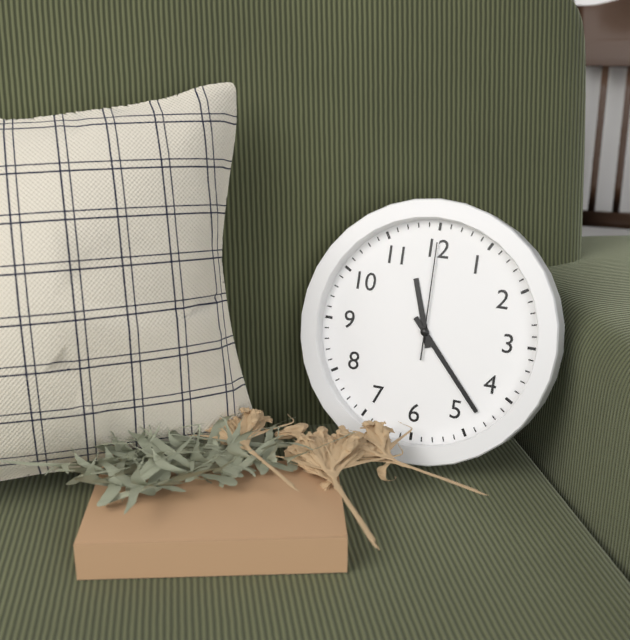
11:23:00
